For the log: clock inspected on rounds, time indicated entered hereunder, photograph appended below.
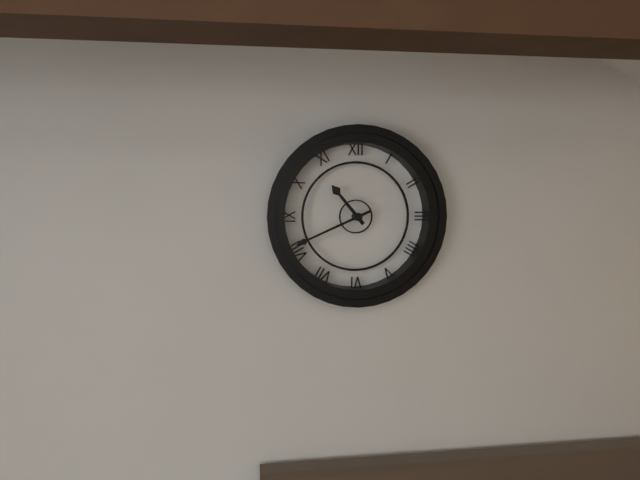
10:41
